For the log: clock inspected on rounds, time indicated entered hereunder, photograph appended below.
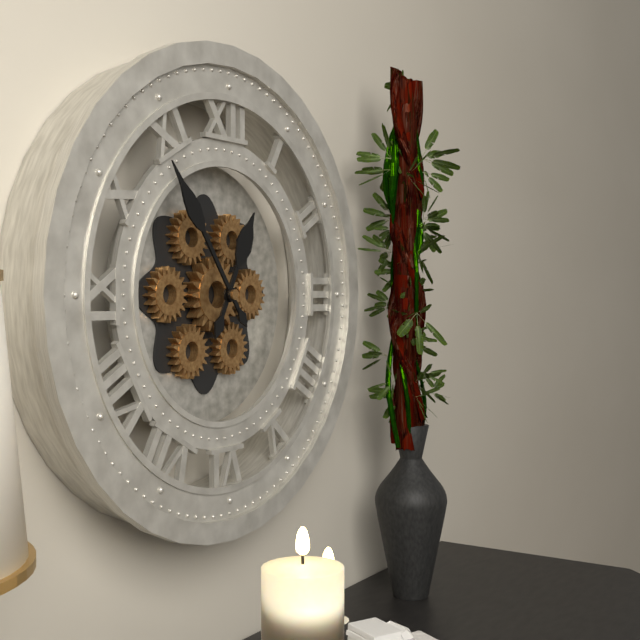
12:54
